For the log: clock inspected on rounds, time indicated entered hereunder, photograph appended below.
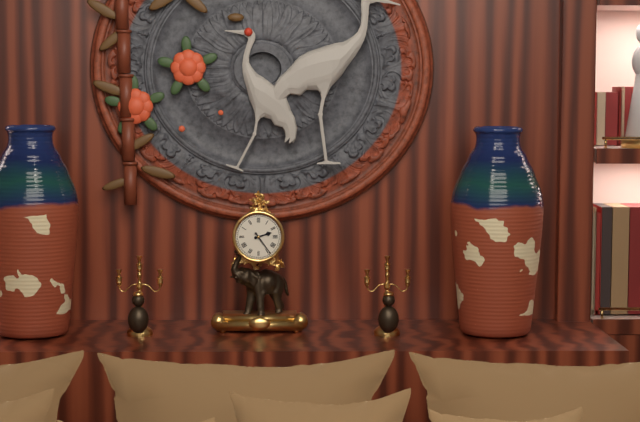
2:24
